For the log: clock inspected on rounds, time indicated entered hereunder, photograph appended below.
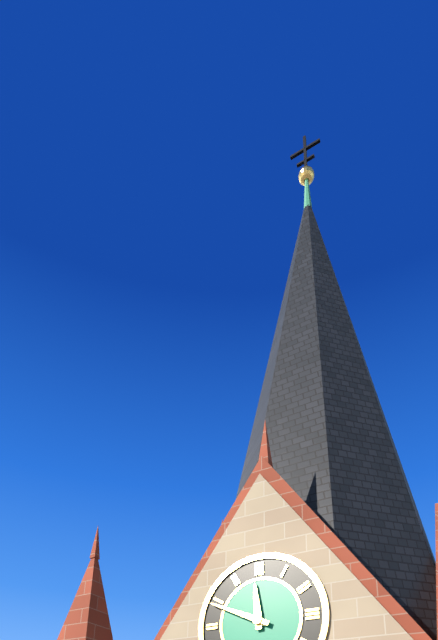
11:49
